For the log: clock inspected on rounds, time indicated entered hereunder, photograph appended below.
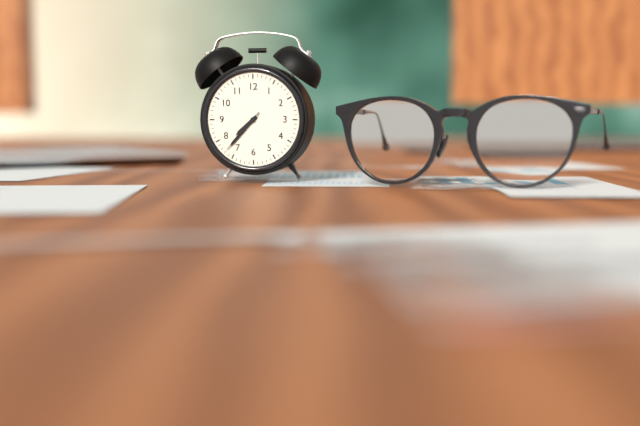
7:37
